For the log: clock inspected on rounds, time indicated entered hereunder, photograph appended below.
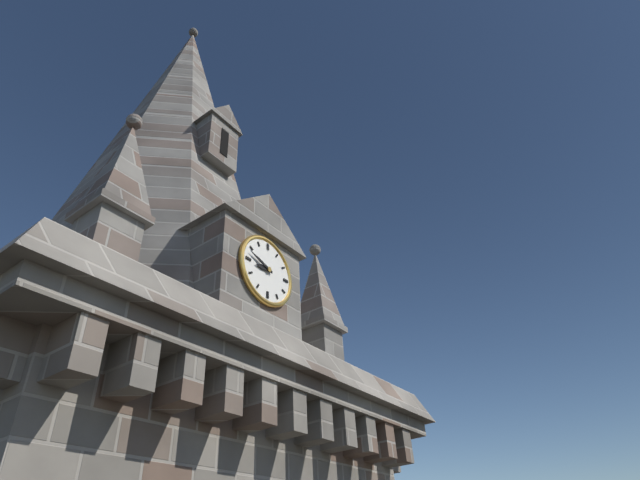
8:48
